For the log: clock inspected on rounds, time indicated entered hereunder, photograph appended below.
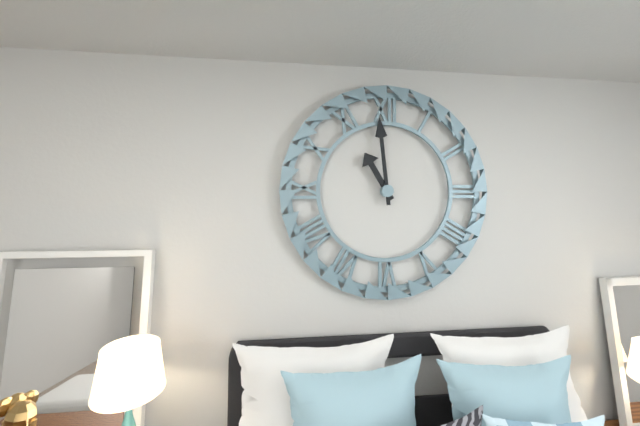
10:59
